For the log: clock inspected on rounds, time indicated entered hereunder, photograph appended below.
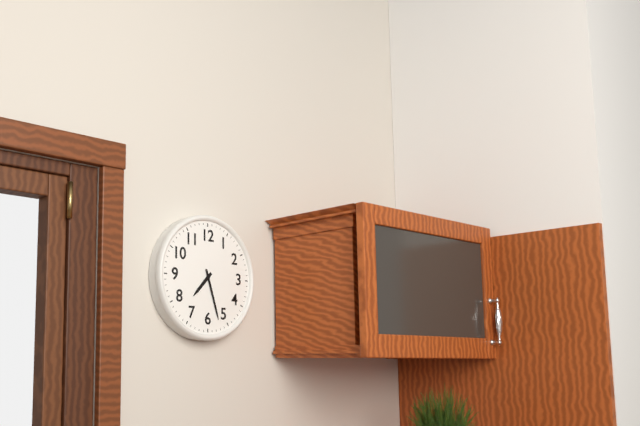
7:27
